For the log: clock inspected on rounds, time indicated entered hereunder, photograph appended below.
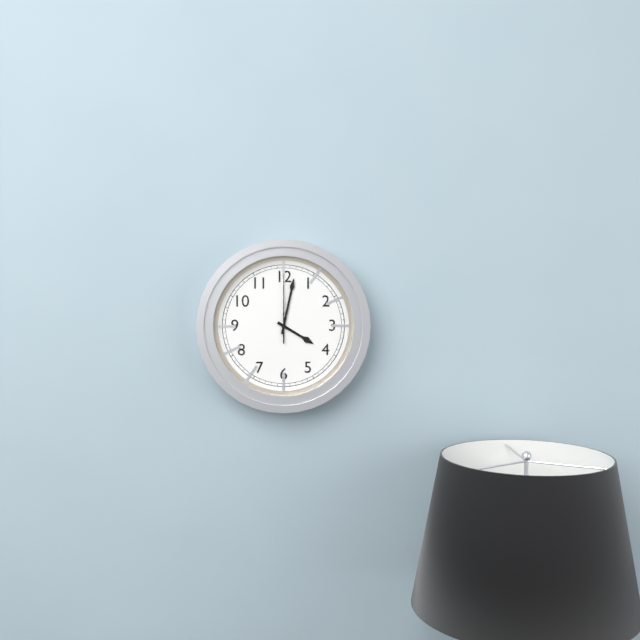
4:02:00
